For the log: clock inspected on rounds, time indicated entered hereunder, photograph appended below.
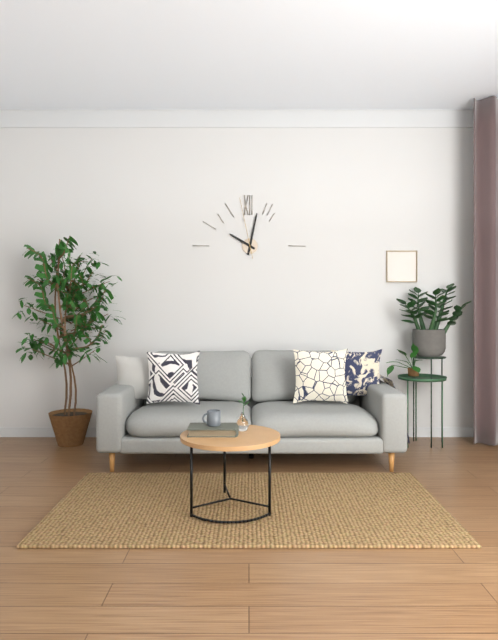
10:02:58
